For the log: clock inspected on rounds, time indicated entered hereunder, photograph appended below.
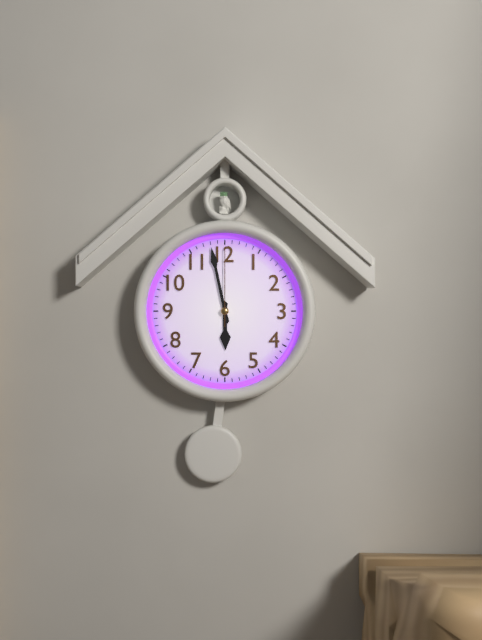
5:58:00
